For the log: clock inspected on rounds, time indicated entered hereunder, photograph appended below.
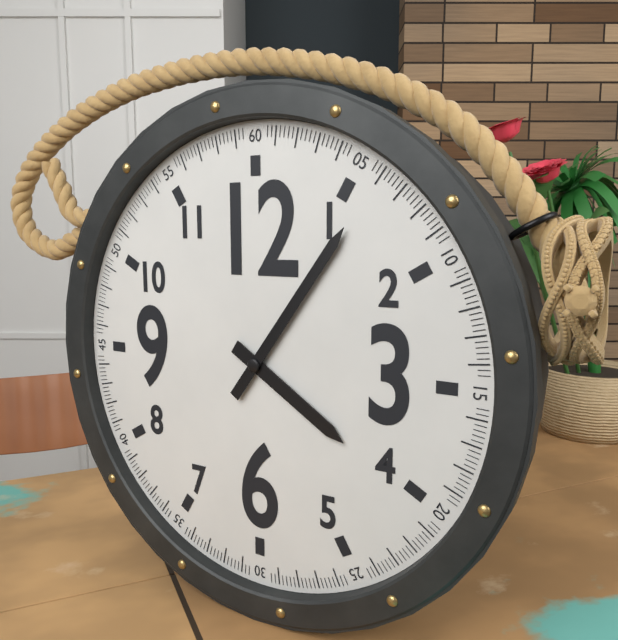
4:06
